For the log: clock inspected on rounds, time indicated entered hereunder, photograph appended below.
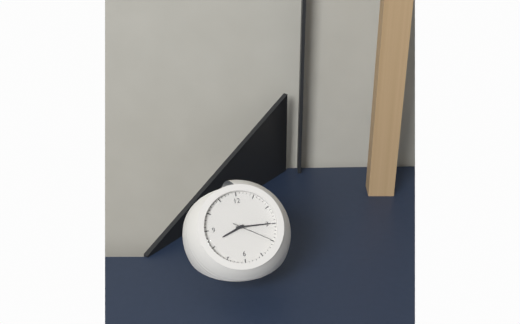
8:15
